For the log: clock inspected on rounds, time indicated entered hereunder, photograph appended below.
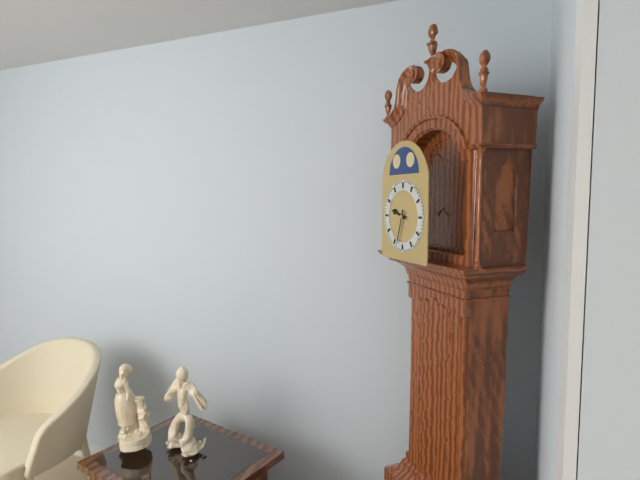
9:33
